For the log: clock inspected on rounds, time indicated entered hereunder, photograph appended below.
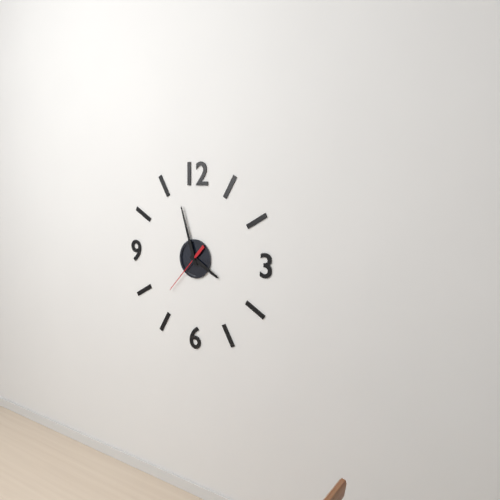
3:57:37
